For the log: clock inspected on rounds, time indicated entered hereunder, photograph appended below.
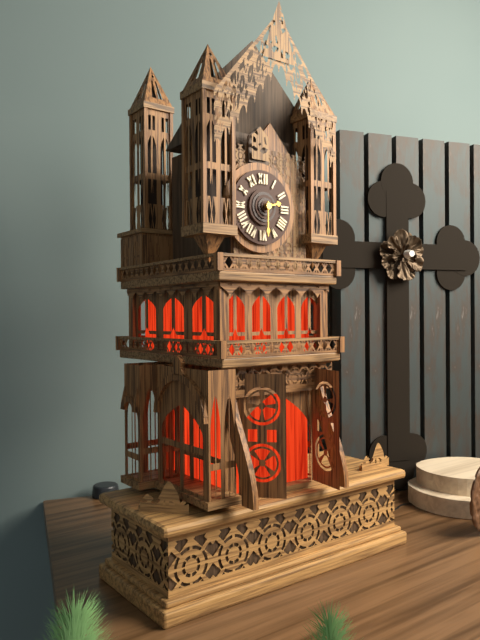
2:30
